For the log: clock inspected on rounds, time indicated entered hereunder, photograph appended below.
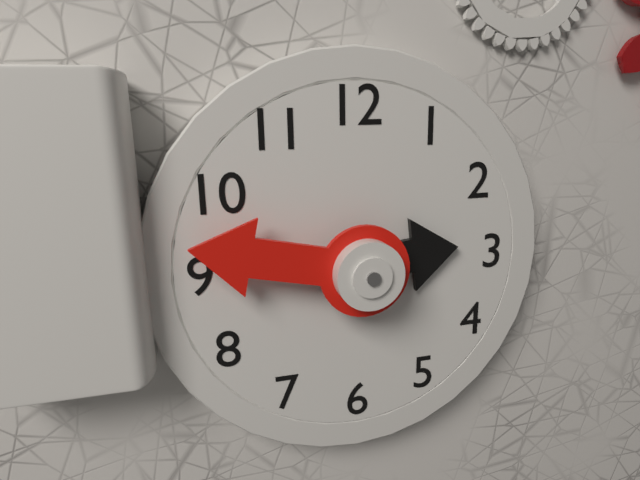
2:47
